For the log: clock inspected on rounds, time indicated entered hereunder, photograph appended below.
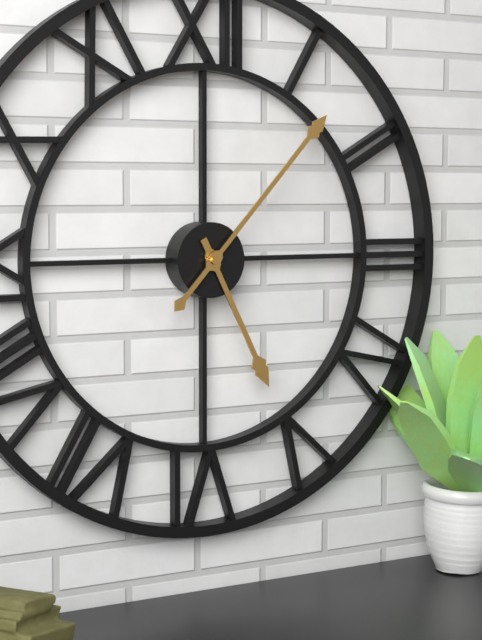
5:07
